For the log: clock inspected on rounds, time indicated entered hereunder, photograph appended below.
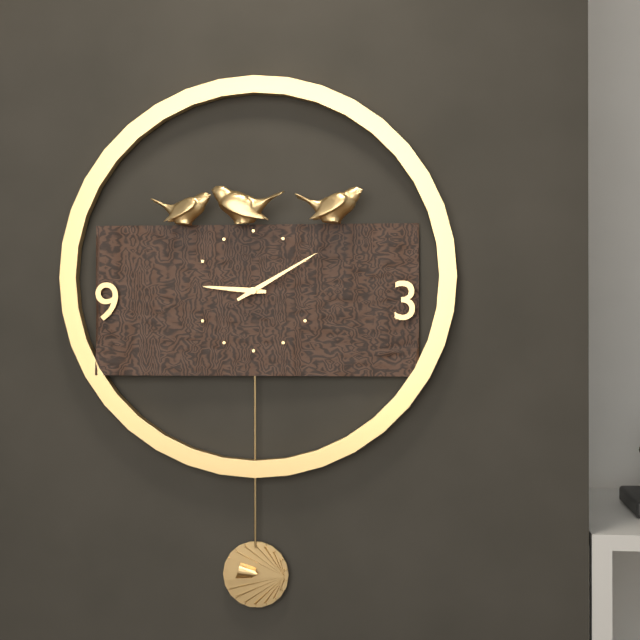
9:10
